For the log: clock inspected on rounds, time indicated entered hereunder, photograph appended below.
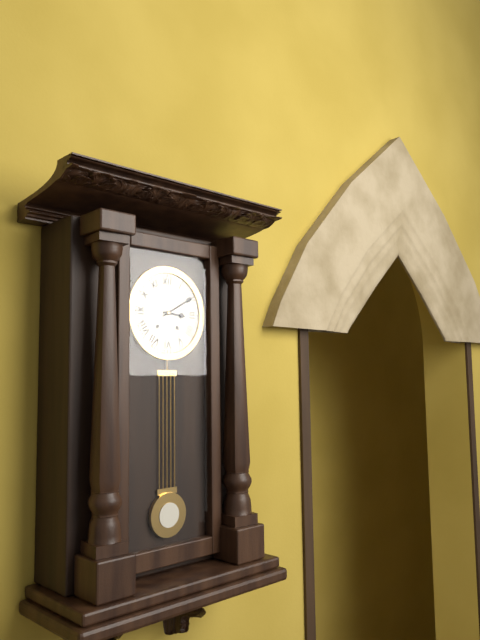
3:10
